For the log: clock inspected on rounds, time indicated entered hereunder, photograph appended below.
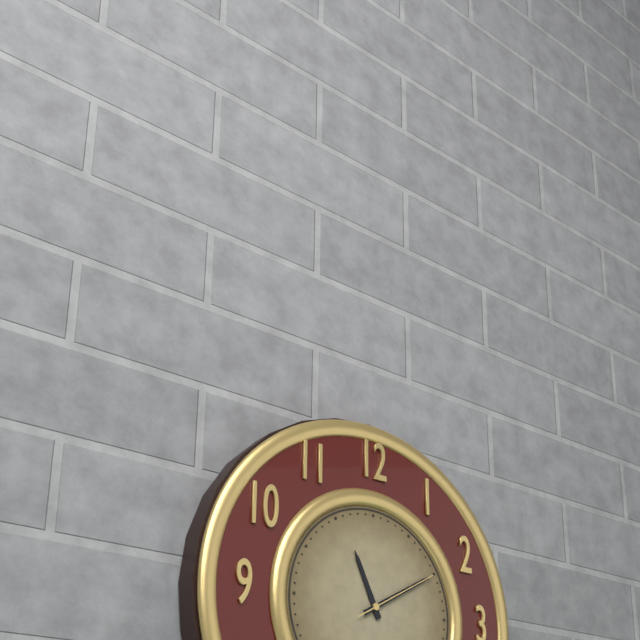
11:10:10
